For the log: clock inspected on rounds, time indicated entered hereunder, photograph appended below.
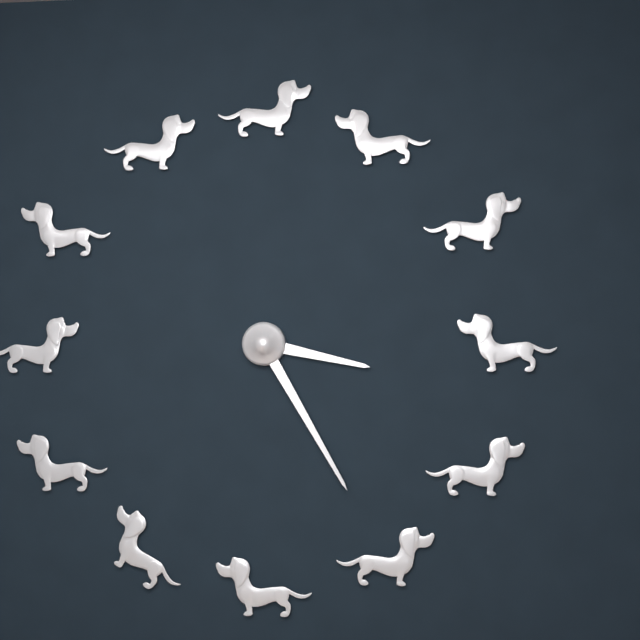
3:25
